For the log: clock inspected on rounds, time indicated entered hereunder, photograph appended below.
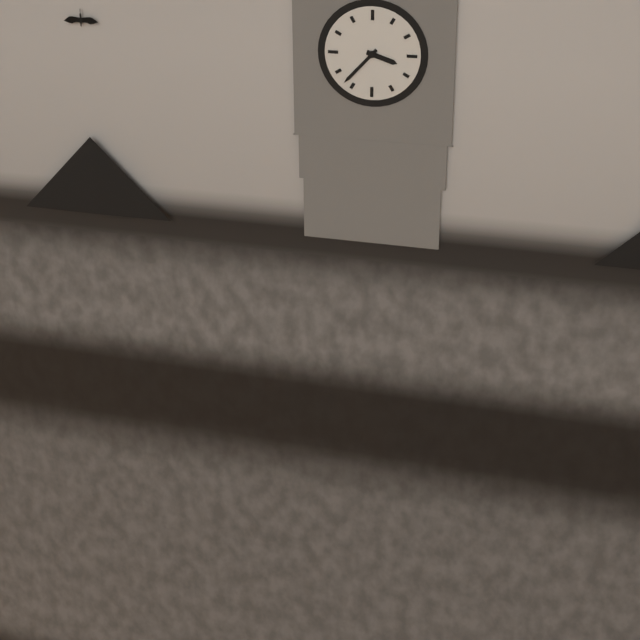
3:37
